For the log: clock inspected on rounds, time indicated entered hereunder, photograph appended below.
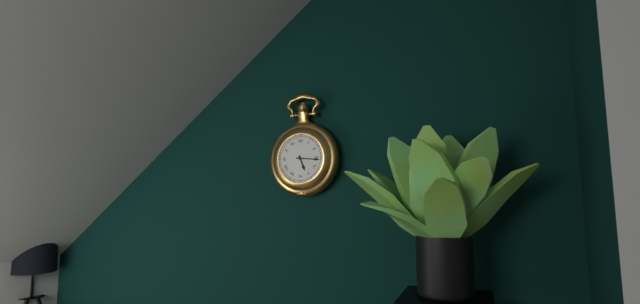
5:16
